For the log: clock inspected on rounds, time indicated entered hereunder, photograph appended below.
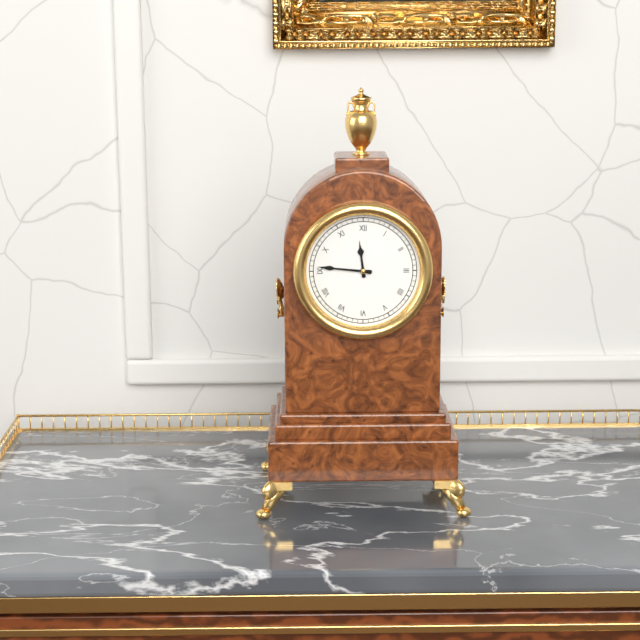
11:46
